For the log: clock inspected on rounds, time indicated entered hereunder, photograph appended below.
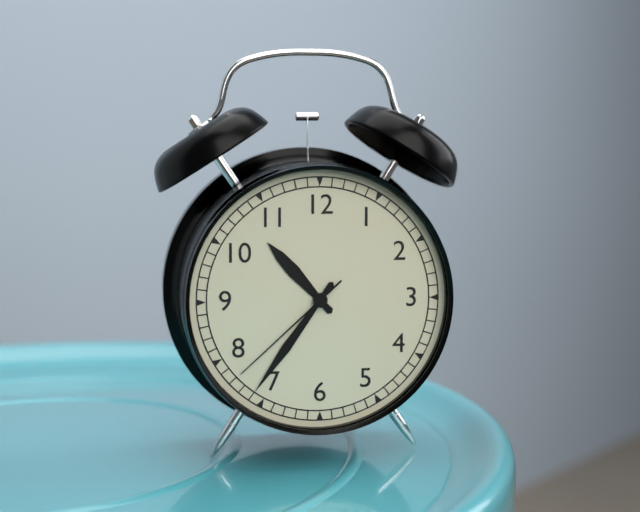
10:36:38
